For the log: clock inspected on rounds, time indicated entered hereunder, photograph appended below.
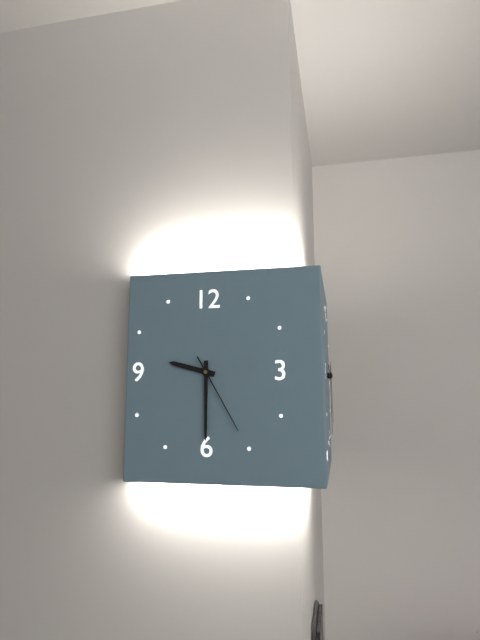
9:30:25
